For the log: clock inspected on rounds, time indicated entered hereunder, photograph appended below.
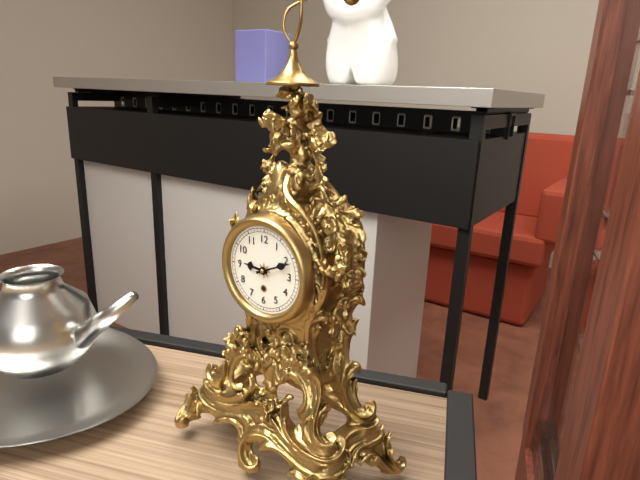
9:11
